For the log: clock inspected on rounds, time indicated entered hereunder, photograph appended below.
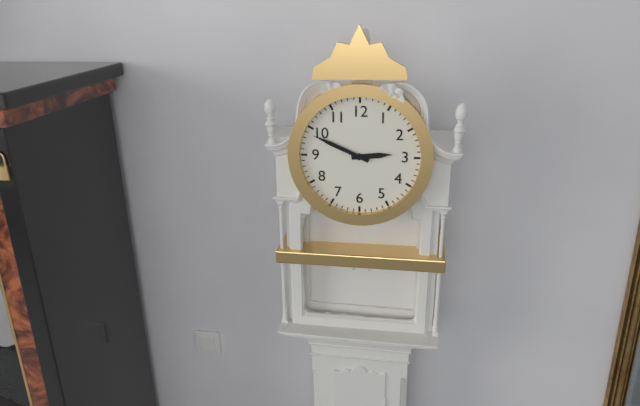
2:49
